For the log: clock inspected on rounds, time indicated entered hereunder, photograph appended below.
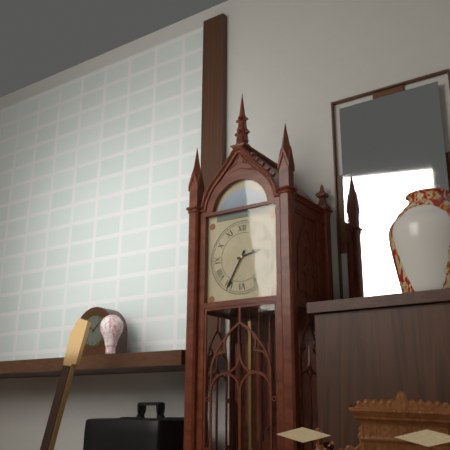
2:35
